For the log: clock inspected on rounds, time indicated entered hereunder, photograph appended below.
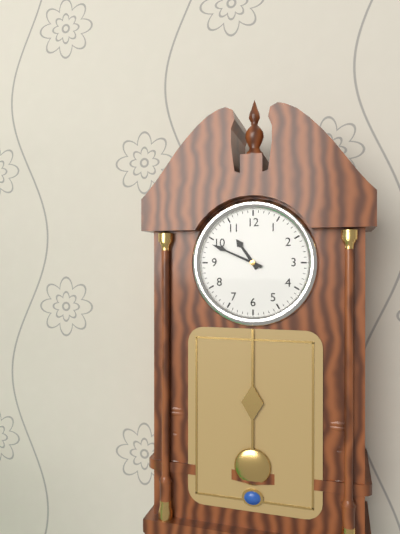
10:49
